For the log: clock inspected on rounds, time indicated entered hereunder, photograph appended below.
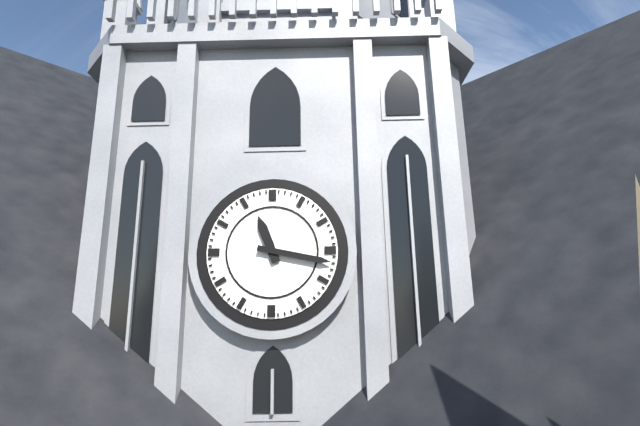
11:17
